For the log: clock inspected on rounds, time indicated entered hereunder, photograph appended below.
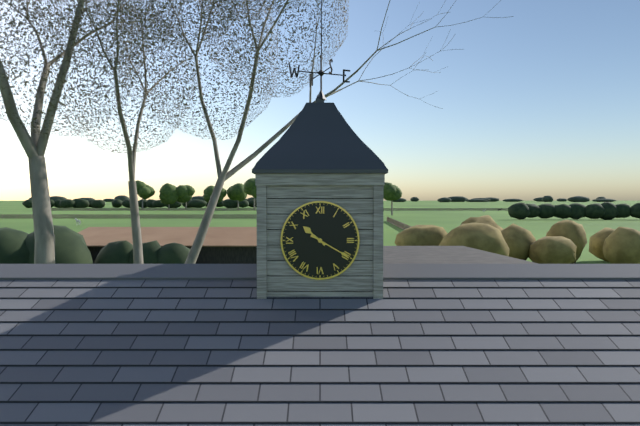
10:20
